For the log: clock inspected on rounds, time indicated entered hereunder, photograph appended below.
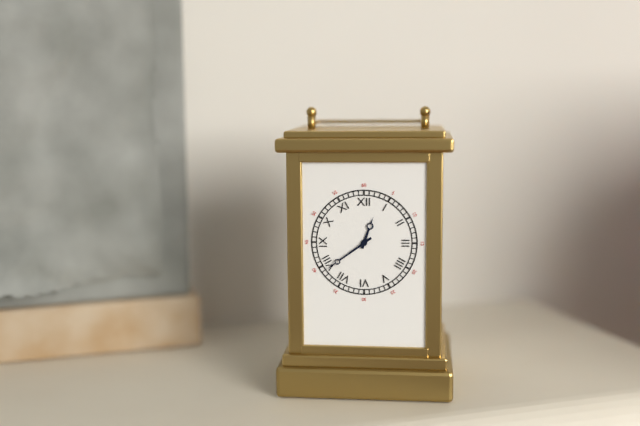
12:39
